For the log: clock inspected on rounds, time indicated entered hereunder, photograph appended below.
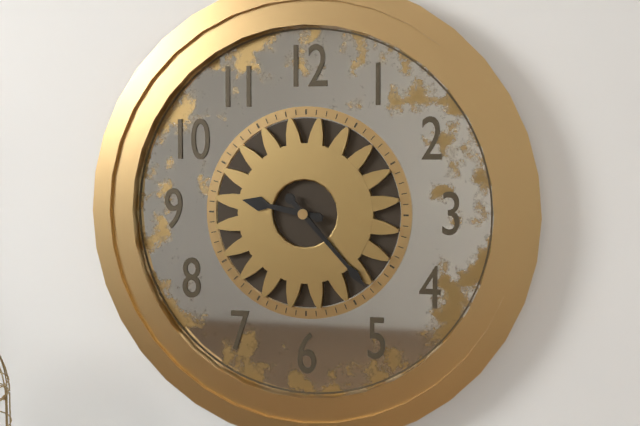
9:23
